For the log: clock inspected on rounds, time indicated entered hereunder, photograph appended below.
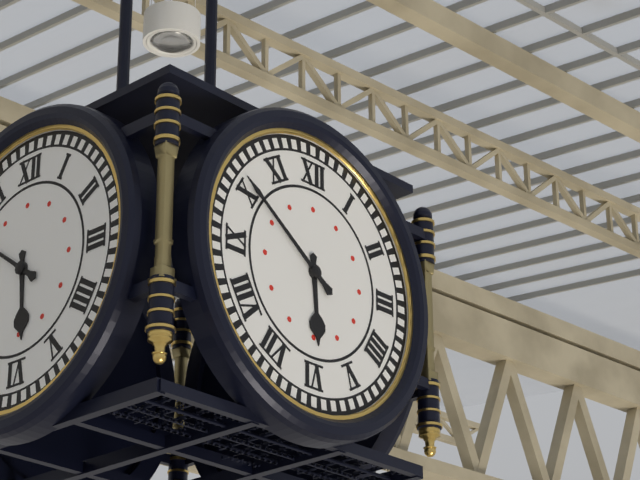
5:51
